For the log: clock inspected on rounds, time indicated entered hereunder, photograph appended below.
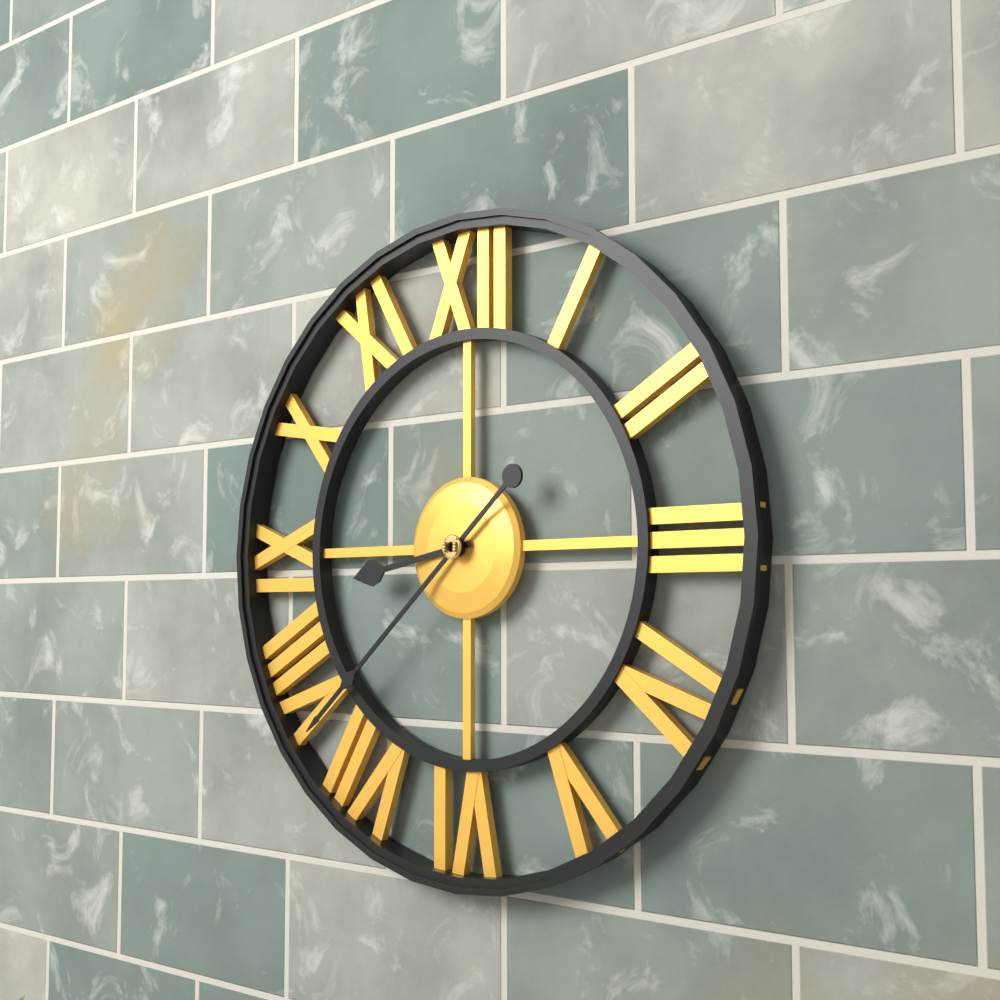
8:38
